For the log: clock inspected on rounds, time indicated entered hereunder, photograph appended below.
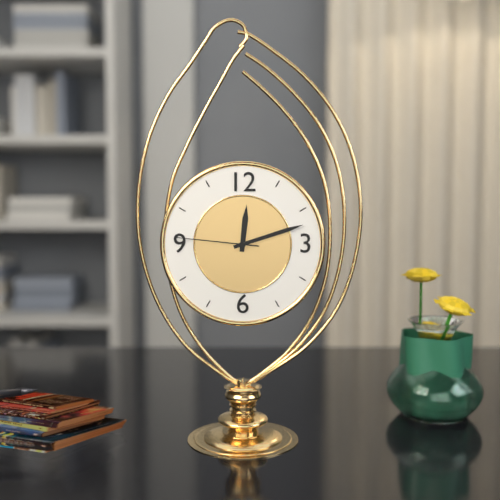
12:12:46
